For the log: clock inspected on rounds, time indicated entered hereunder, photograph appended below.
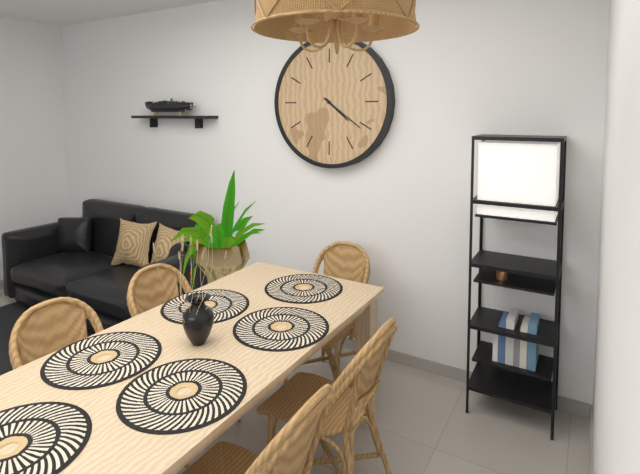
4:21
